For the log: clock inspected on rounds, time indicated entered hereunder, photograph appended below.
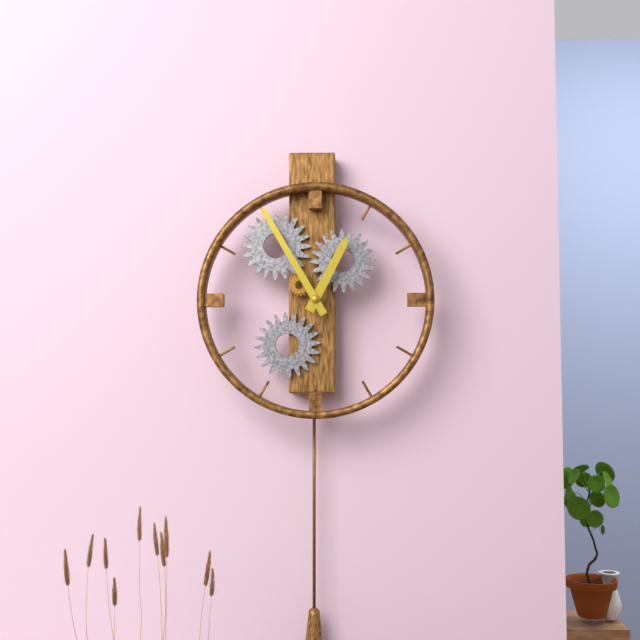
12:55
